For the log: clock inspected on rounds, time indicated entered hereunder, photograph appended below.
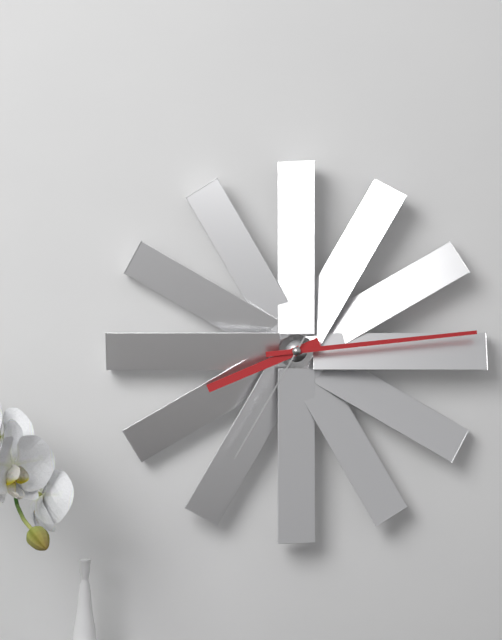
8:14:35
